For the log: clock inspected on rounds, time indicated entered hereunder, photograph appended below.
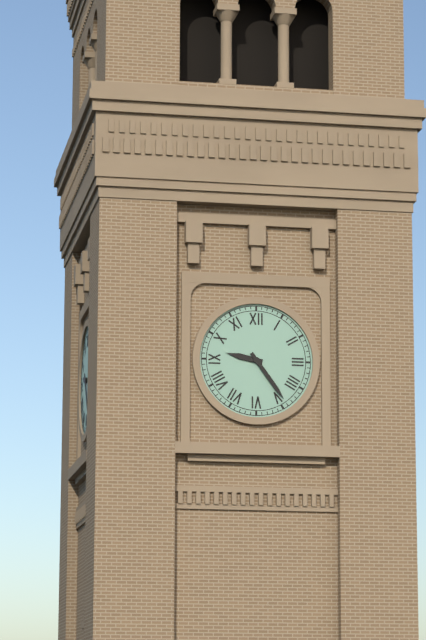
9:24
